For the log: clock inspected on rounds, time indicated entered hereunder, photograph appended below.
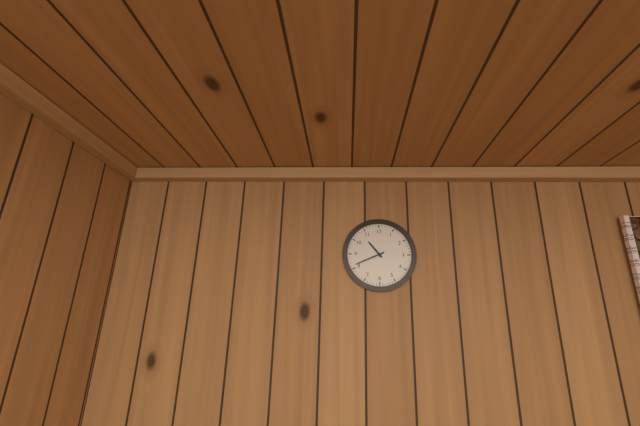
10:41
